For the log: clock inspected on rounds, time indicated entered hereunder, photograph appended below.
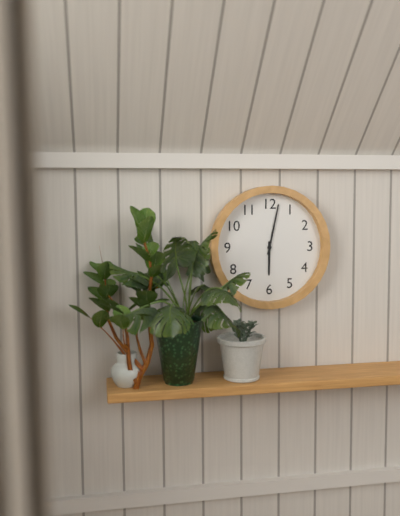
6:02
